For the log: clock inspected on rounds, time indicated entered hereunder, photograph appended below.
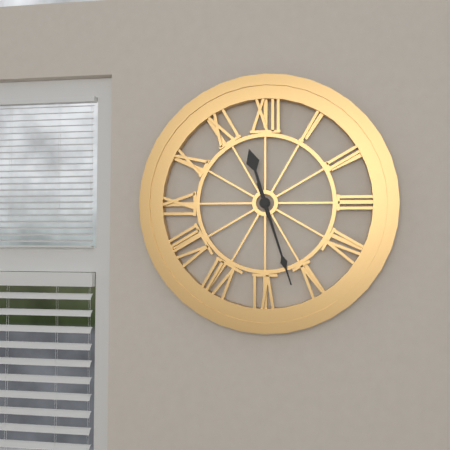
11:27
